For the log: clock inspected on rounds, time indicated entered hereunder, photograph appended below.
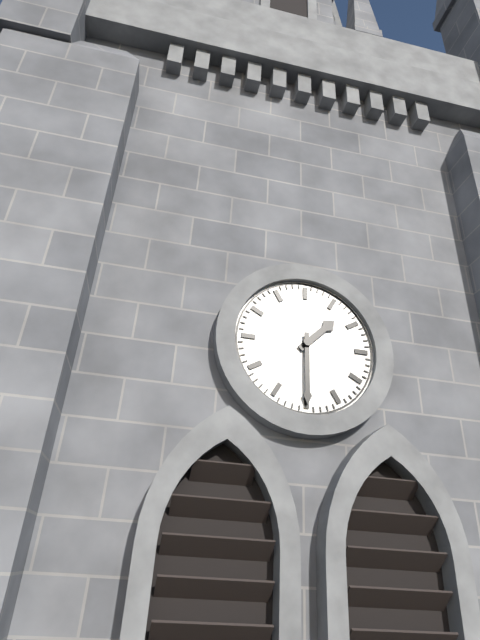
1:30
